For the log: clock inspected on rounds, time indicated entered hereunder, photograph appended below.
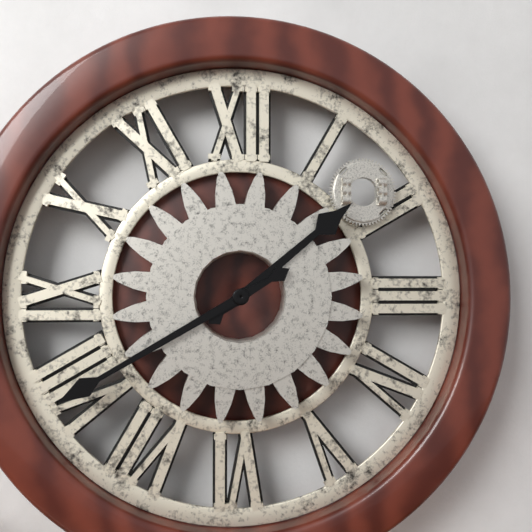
1:40
